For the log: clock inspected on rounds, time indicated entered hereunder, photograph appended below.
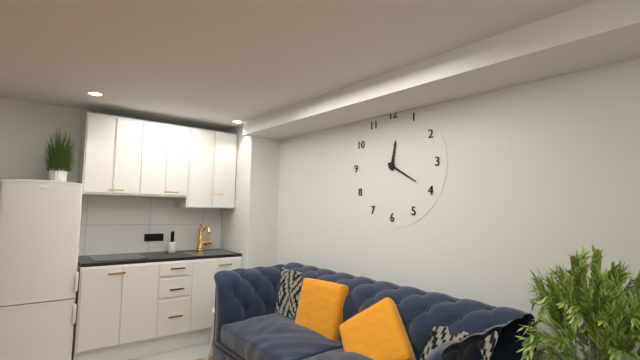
12:20
